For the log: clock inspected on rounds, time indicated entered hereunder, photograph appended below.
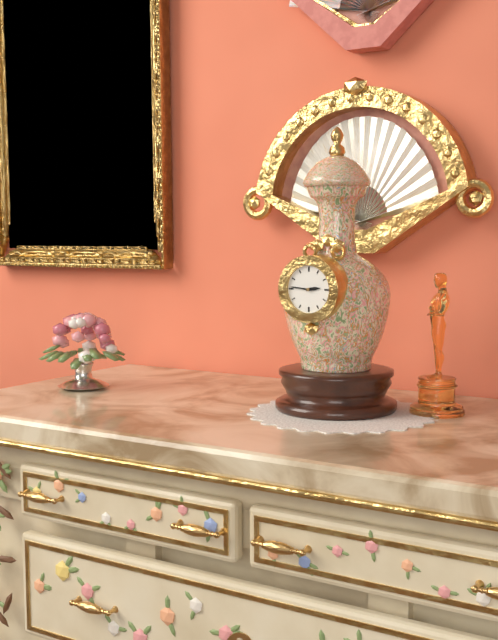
2:46
